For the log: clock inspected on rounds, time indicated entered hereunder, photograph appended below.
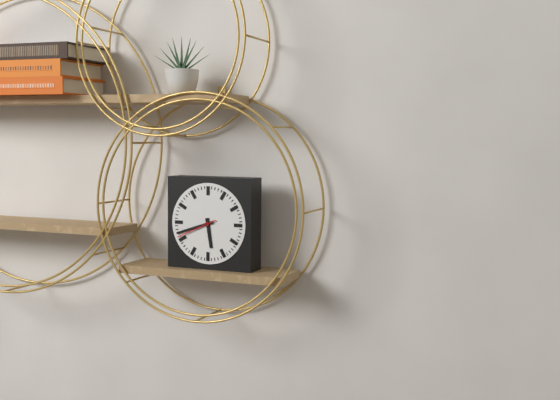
5:42
